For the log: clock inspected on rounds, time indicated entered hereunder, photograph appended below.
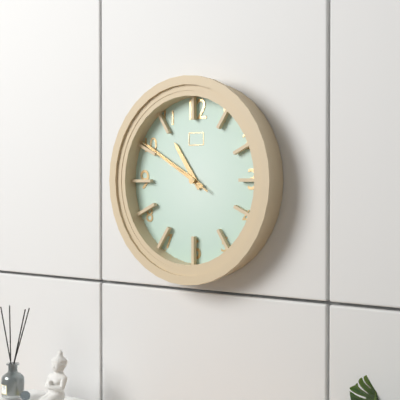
10:50:50
